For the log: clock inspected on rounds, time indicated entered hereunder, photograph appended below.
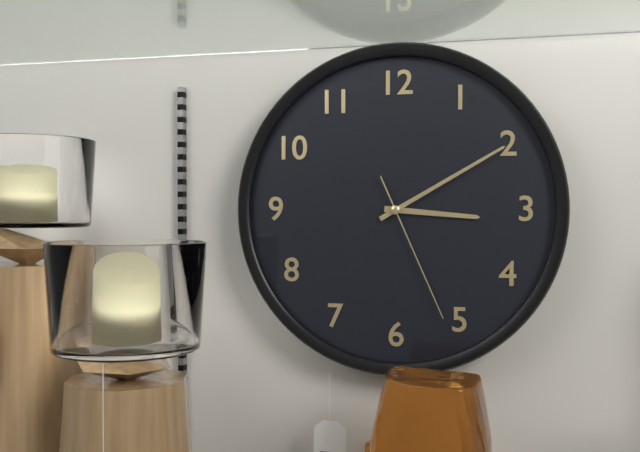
3:10:26
